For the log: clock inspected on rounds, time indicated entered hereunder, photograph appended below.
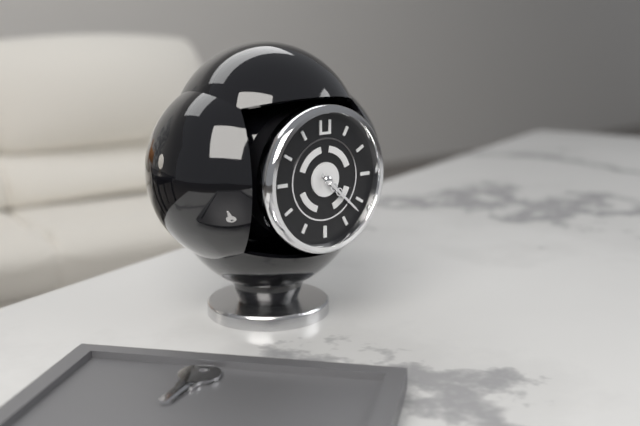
4:22
